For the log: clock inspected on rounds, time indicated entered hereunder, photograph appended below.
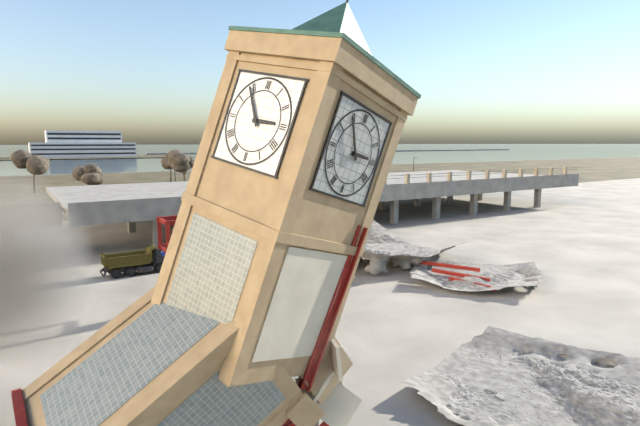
2:54
